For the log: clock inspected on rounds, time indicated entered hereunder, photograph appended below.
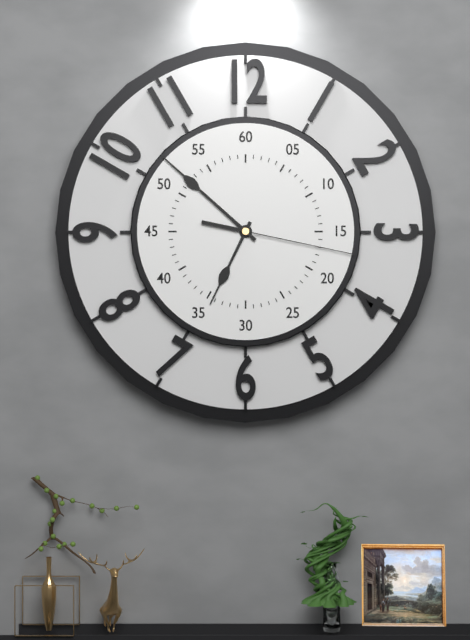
6:52:17
